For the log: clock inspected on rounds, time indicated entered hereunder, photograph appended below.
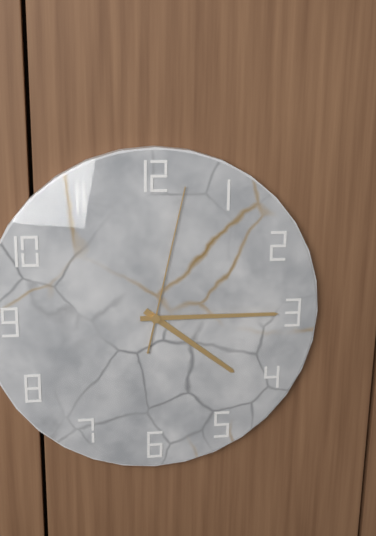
4:15:02
